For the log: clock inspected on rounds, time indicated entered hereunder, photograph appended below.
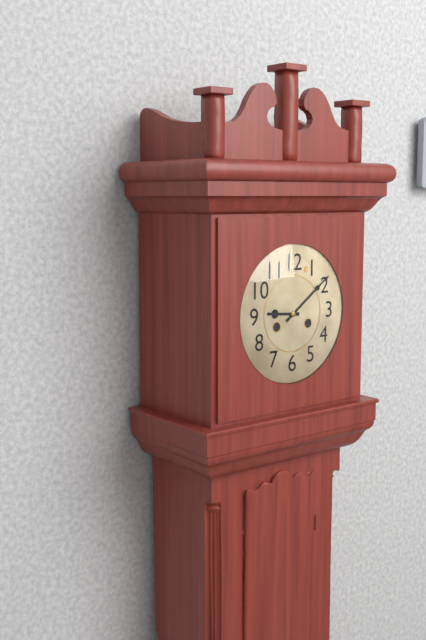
9:09
